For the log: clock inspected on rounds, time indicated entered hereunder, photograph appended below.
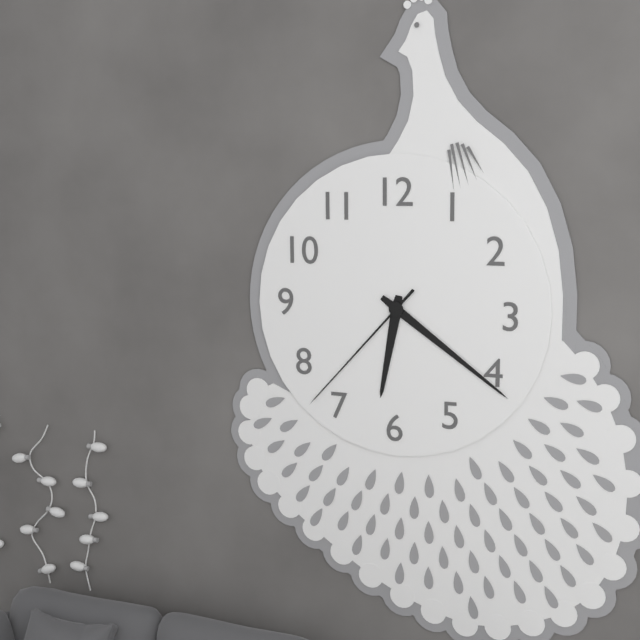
6:21:37
